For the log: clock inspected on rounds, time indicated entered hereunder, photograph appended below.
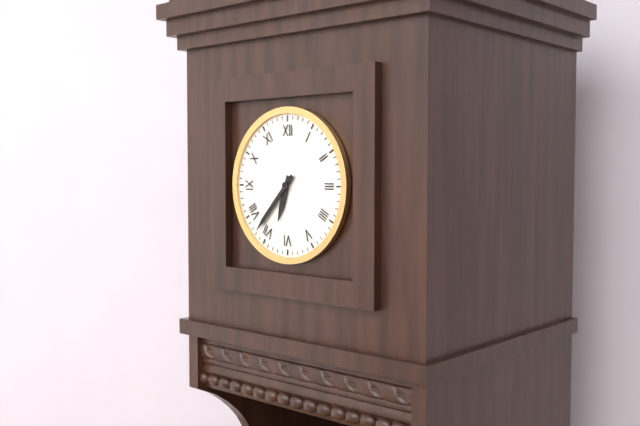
6:37
